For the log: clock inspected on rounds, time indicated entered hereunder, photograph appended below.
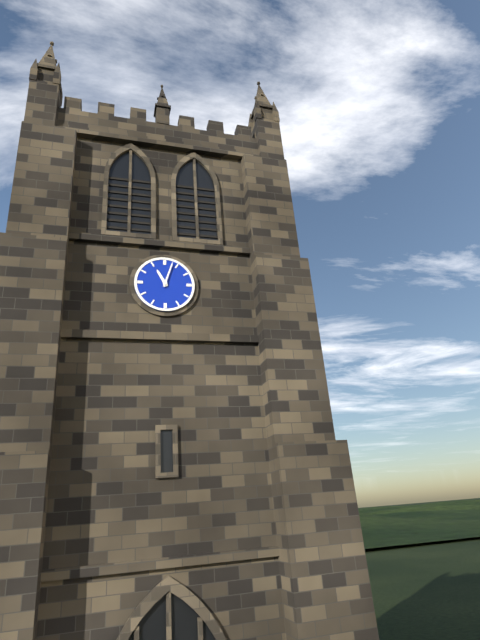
11:03
